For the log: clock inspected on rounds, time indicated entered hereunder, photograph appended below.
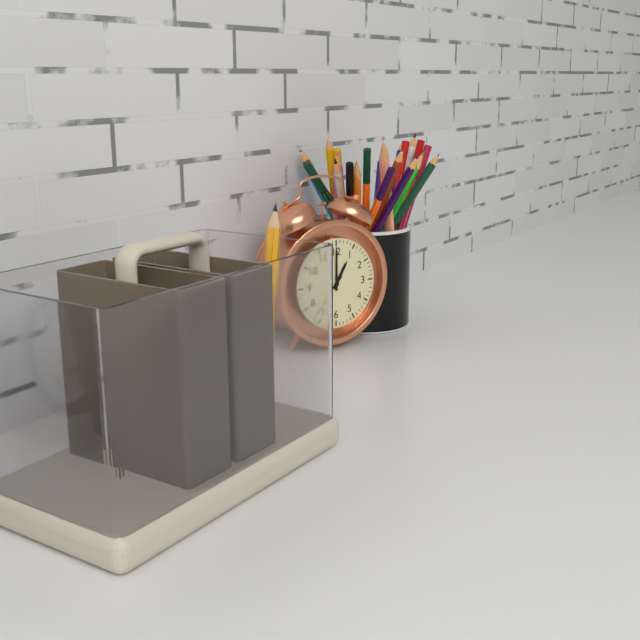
1:00:37
